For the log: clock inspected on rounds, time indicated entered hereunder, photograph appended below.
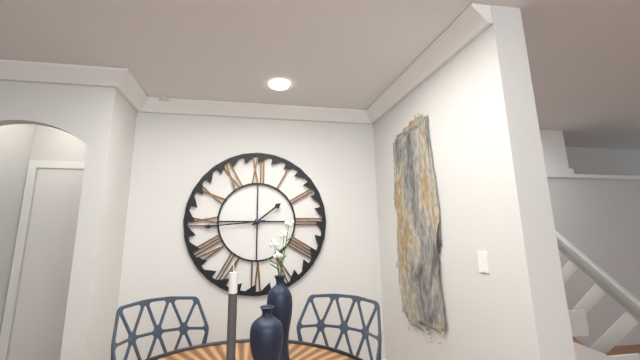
1:44
